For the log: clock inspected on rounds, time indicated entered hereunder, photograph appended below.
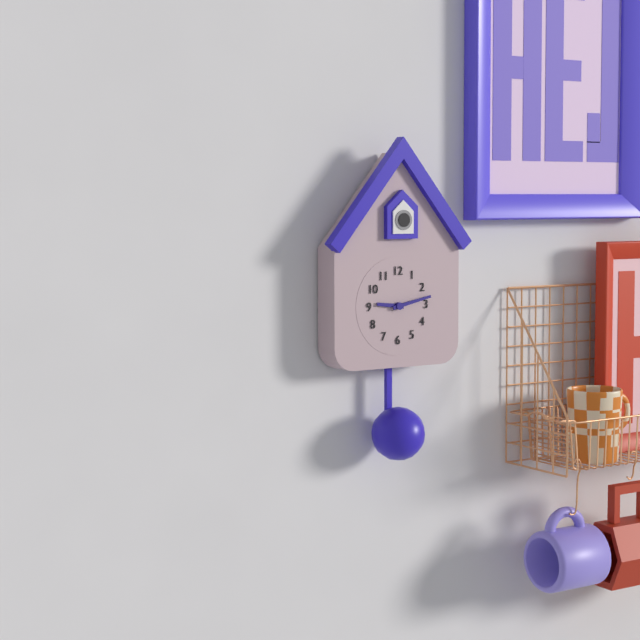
9:13
